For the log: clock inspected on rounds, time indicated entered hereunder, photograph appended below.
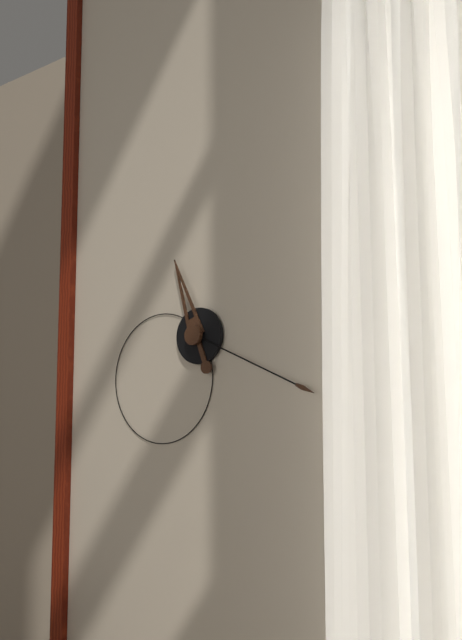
11:19
